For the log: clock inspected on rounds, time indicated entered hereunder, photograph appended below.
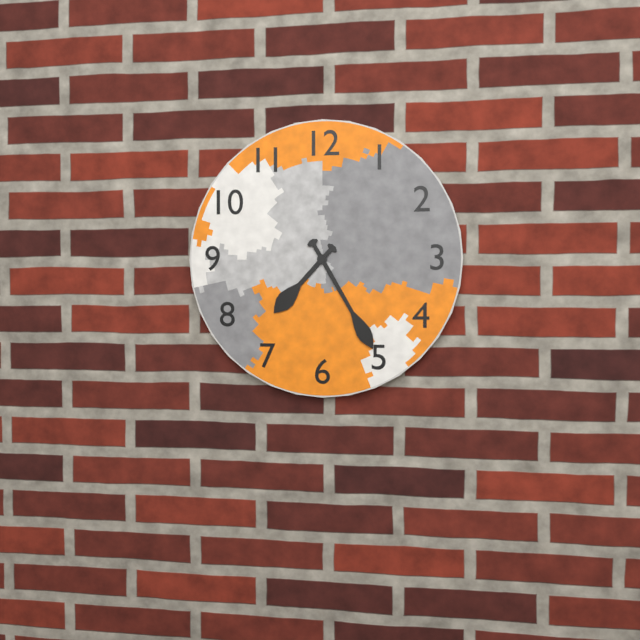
7:25
